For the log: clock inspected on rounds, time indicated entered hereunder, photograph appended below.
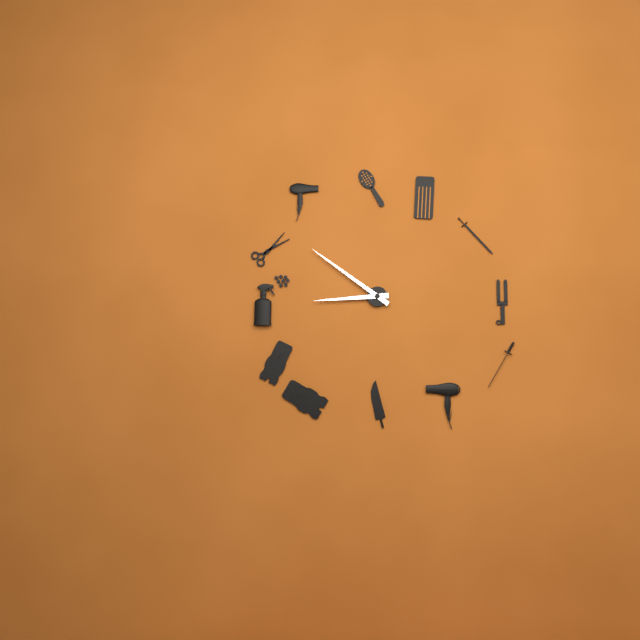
8:51
